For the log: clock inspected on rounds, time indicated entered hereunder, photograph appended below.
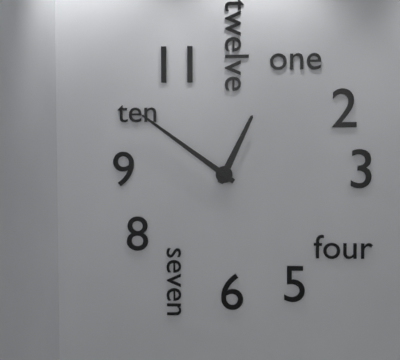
12:51
